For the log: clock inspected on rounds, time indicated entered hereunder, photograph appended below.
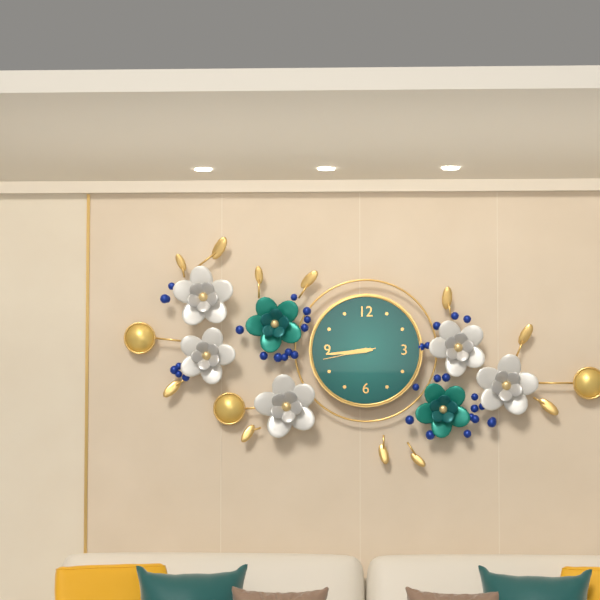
8:44:43
